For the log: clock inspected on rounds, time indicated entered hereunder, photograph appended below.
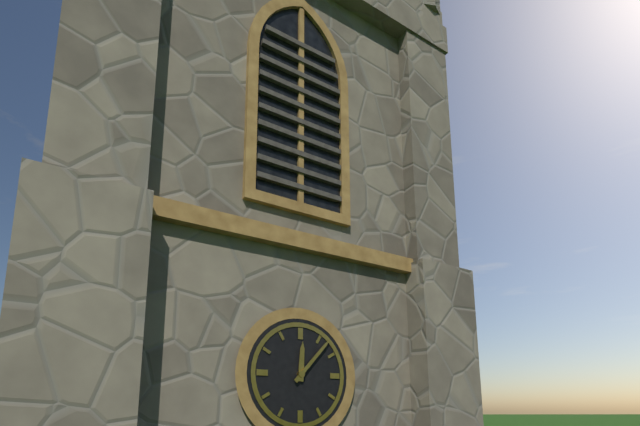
12:07
